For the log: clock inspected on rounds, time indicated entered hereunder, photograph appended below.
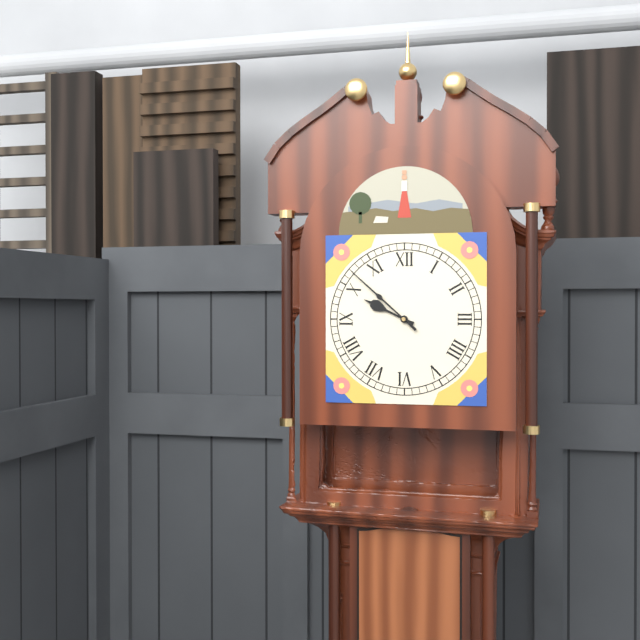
9:52
